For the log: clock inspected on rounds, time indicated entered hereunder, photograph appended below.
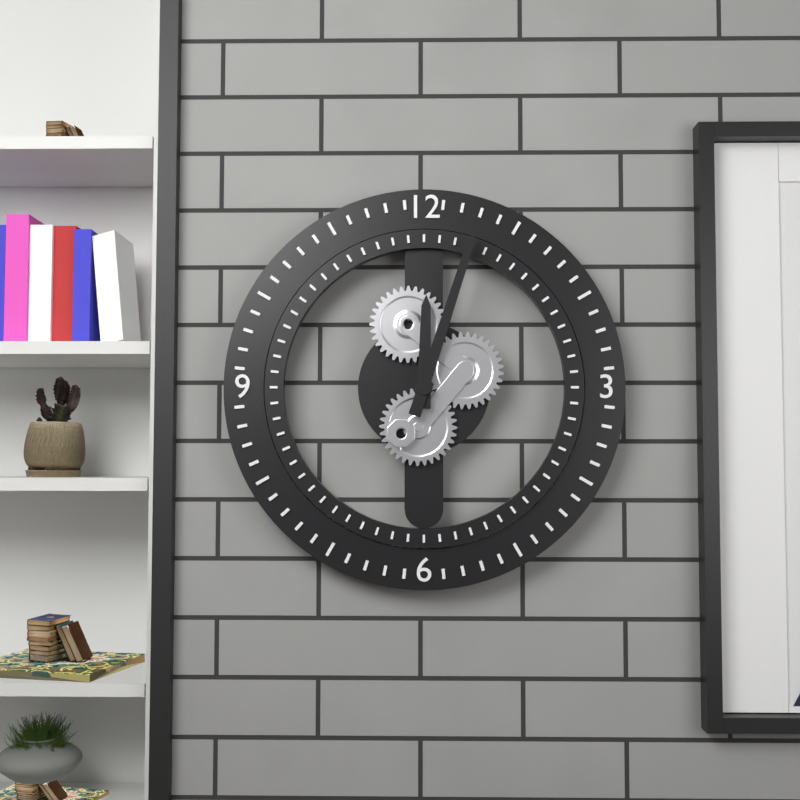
12:03
